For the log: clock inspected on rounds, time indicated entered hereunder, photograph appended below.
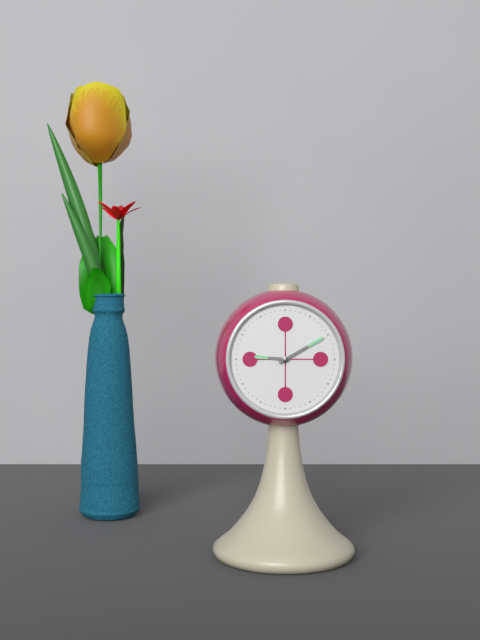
9:10
